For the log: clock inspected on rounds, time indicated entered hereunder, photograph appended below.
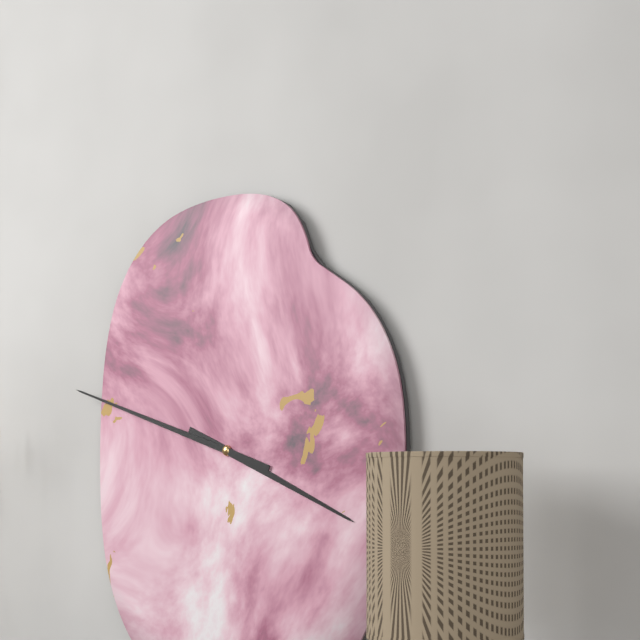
3:48
